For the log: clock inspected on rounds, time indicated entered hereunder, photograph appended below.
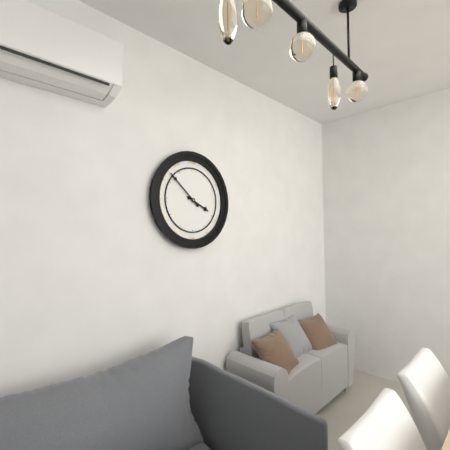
3:52
